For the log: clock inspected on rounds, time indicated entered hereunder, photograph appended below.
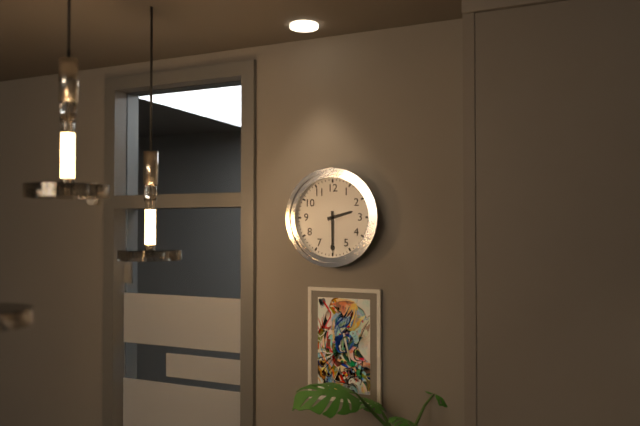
2:30
